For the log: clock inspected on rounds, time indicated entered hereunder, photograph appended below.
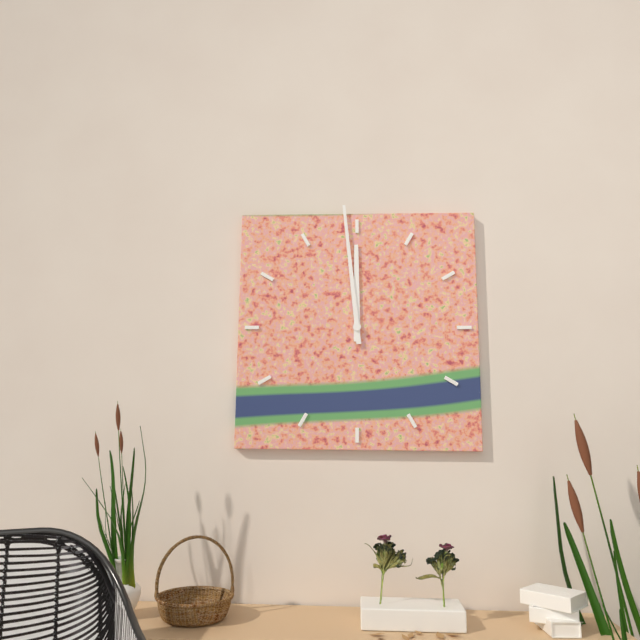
11:59
